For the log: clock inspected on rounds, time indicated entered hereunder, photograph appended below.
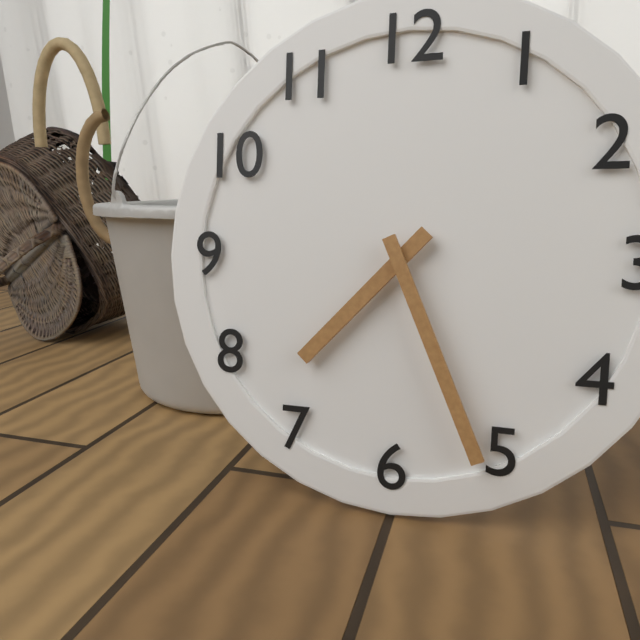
7:26
